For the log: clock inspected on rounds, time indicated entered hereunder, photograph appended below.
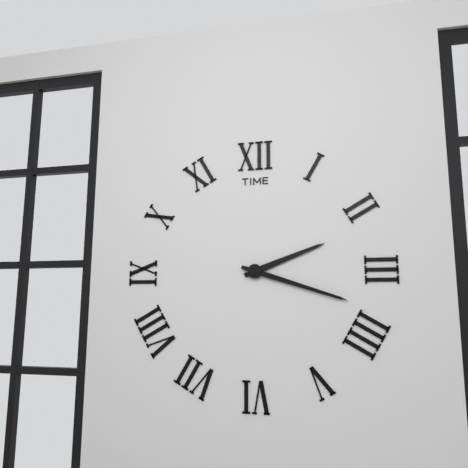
2:18
